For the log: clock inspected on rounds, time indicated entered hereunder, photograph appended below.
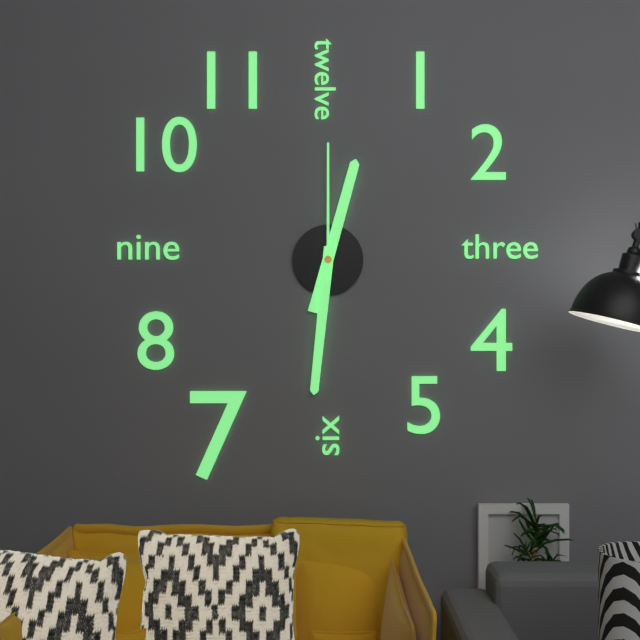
12:31:00
